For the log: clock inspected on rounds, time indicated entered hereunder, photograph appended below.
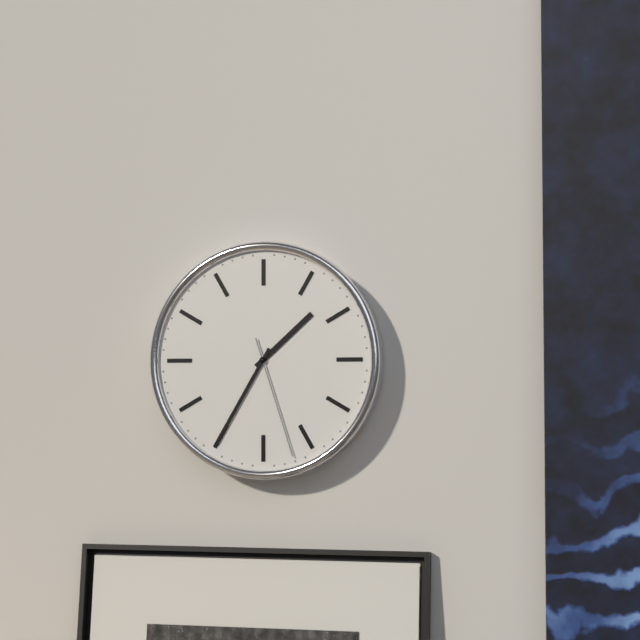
1:35:27
